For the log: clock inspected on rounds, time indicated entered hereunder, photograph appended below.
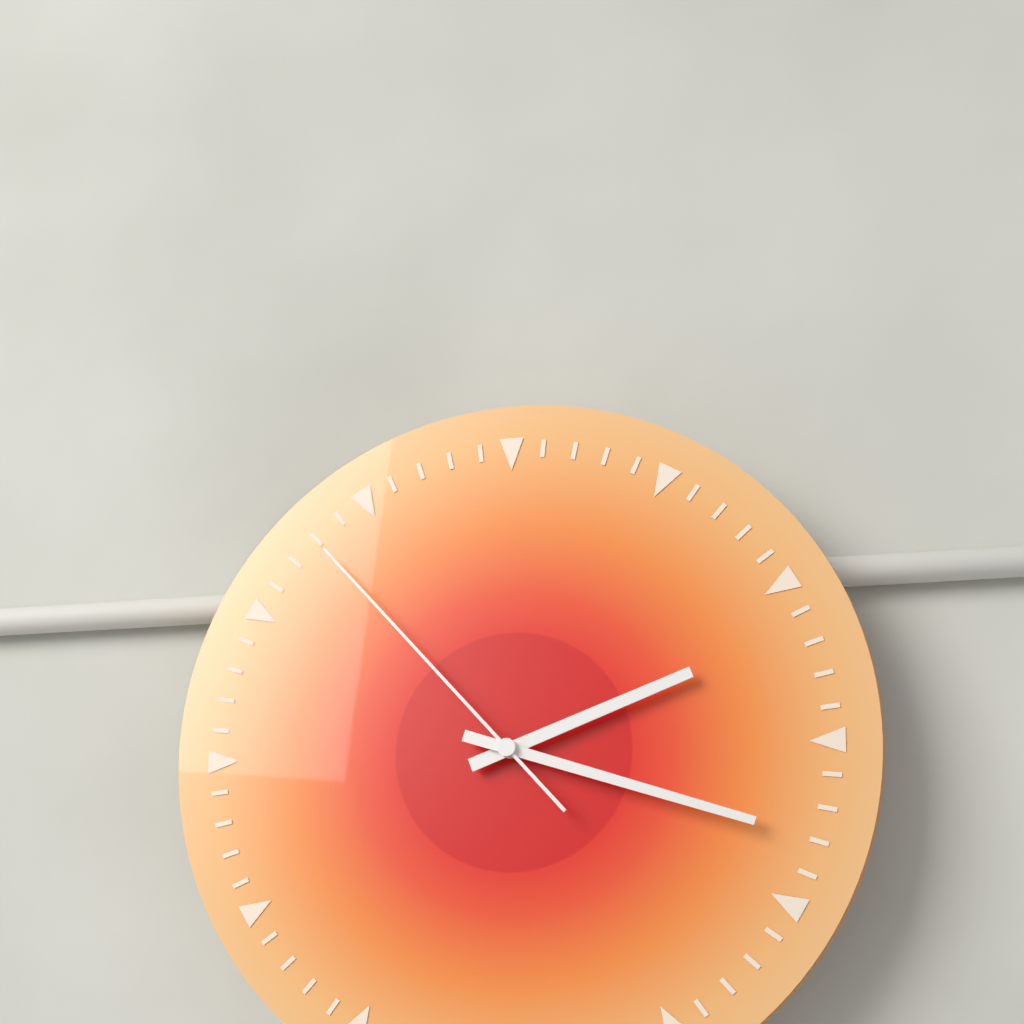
2:18:53
